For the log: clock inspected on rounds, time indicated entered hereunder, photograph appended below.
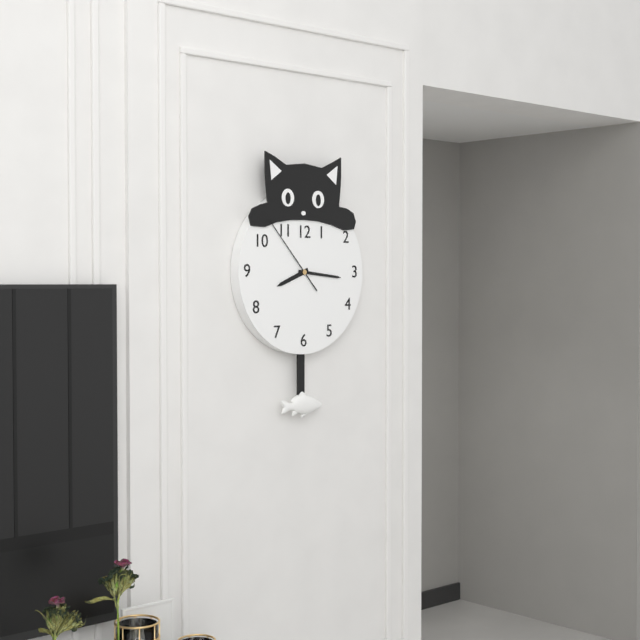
8:16:53
